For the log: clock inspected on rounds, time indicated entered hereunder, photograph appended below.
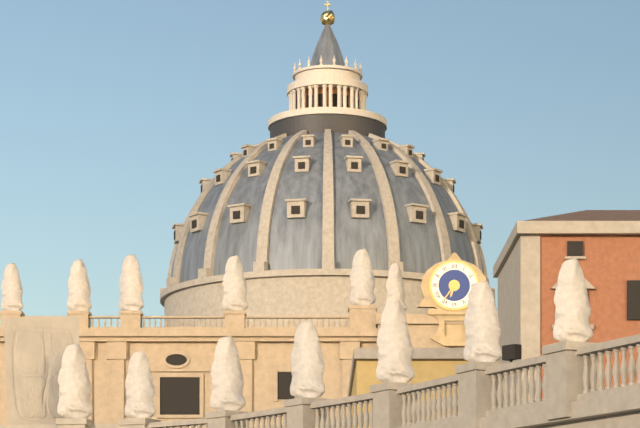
6:36
